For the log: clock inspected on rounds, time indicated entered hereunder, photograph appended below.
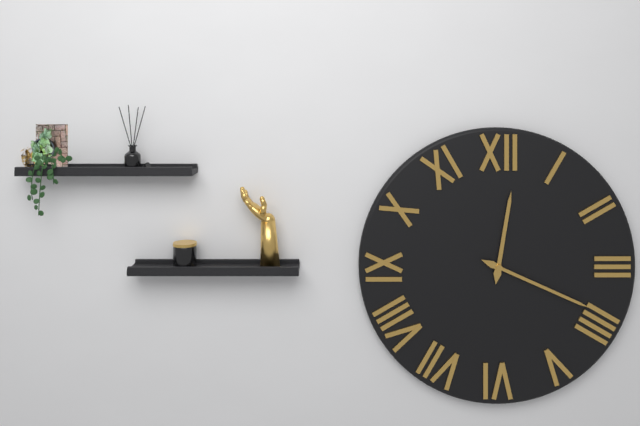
12:19
